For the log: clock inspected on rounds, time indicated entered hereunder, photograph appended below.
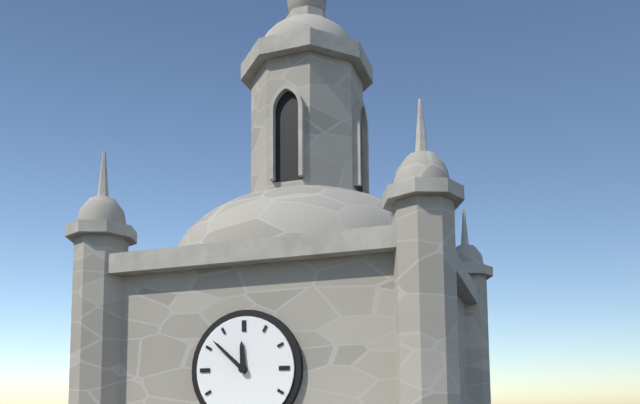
11:52
